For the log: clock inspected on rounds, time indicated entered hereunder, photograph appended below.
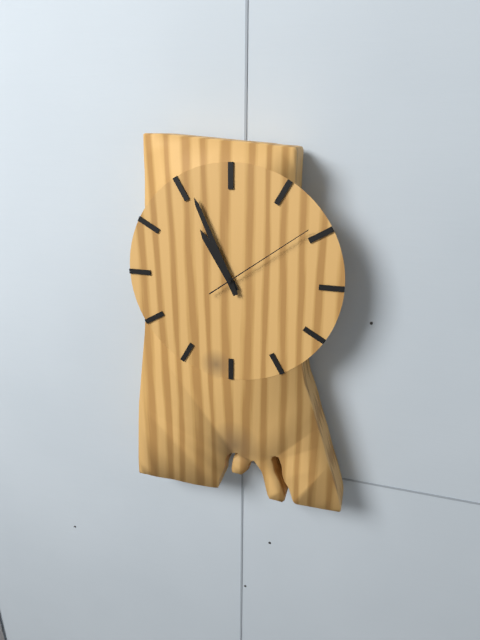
10:56:09
